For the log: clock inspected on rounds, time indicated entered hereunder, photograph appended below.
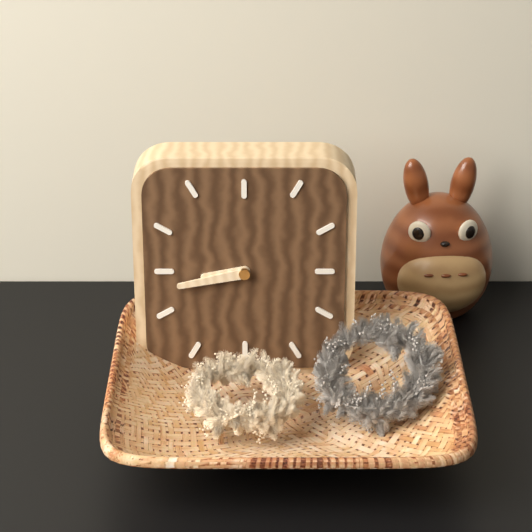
8:43
